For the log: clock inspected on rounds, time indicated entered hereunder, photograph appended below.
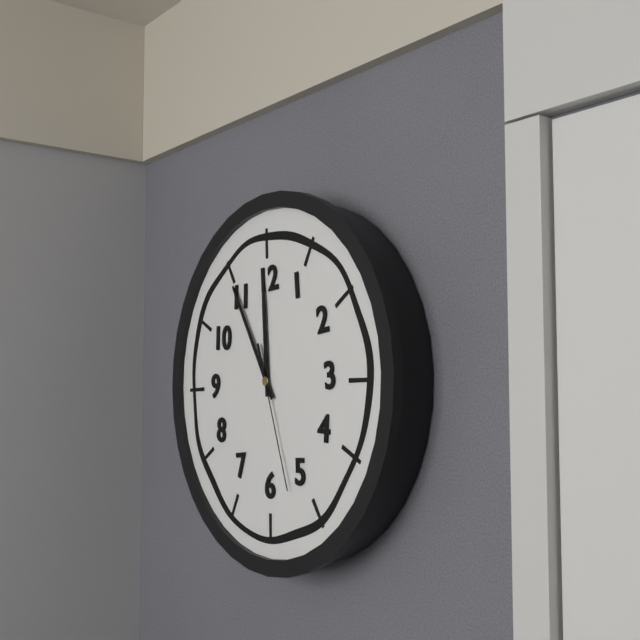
11:55:27
